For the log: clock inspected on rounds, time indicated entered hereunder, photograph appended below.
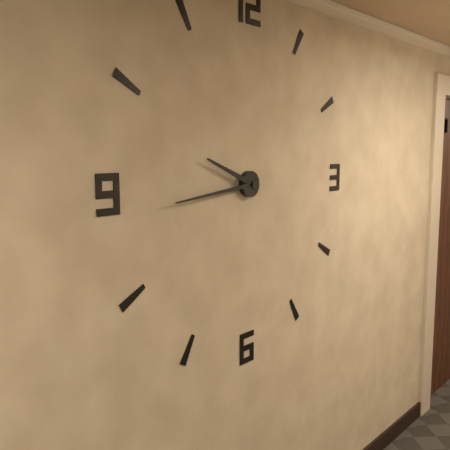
9:44
